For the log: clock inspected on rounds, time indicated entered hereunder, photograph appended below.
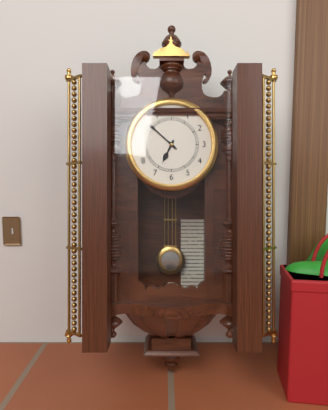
6:52
